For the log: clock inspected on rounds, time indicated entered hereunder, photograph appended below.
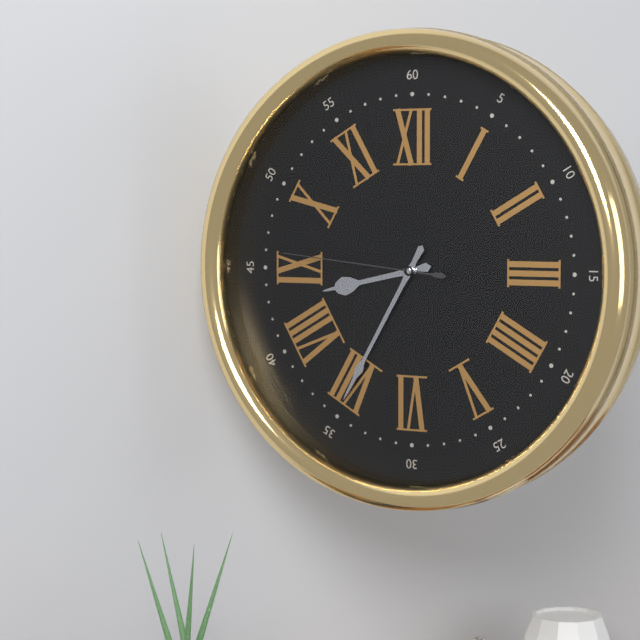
8:35:46
